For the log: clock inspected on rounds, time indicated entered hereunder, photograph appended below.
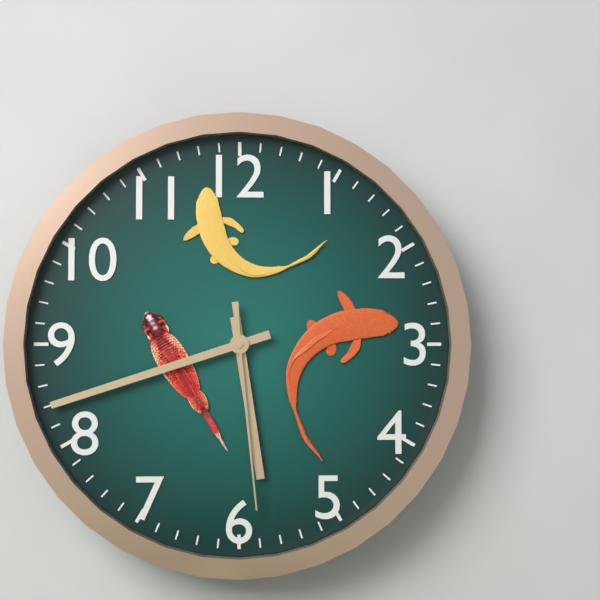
5:42:29
